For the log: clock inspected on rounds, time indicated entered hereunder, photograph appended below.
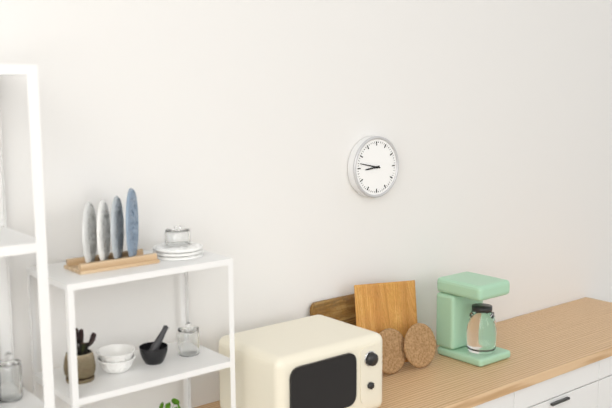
8:47
